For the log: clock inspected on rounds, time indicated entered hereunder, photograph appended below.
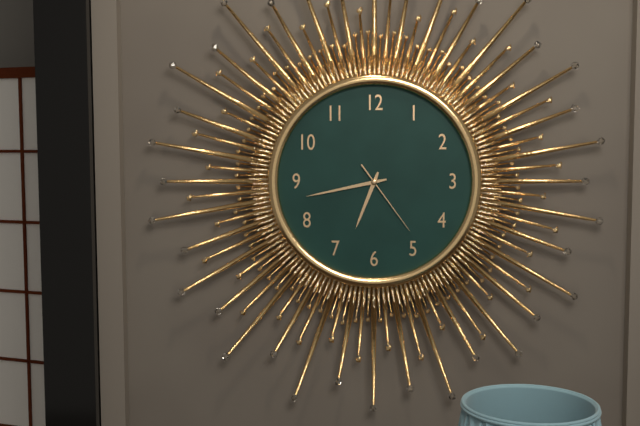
6:43:24
